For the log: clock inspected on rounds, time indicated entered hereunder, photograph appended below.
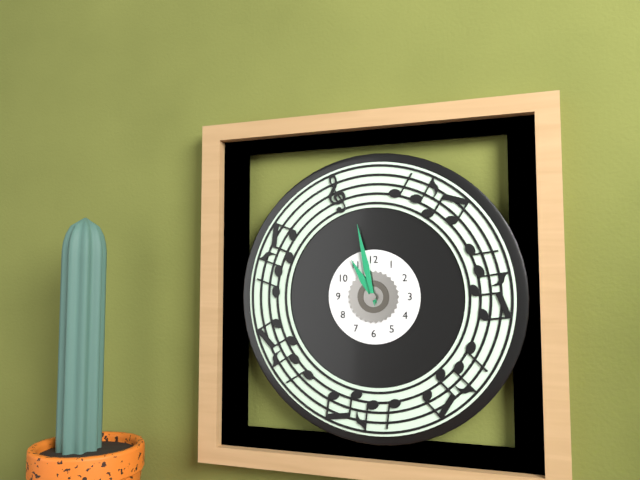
10:58
